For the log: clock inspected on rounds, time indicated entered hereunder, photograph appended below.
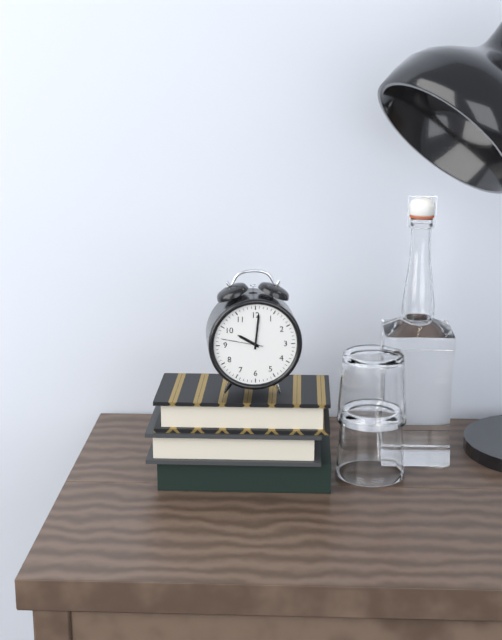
10:01
